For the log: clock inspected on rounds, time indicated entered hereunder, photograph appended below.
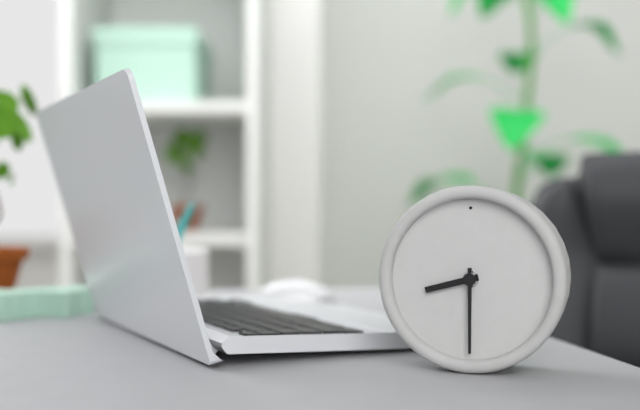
8:30
